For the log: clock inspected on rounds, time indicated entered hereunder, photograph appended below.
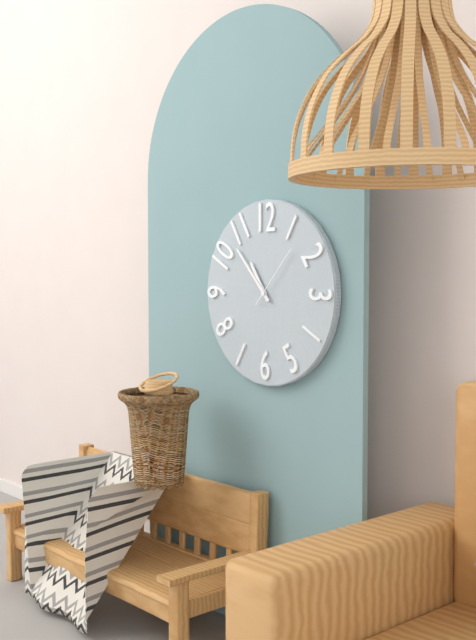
10:53:07
